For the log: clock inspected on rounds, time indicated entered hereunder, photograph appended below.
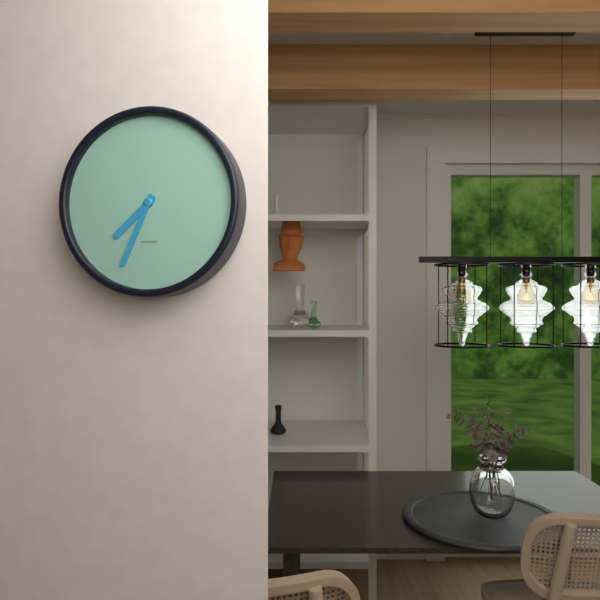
7:34
